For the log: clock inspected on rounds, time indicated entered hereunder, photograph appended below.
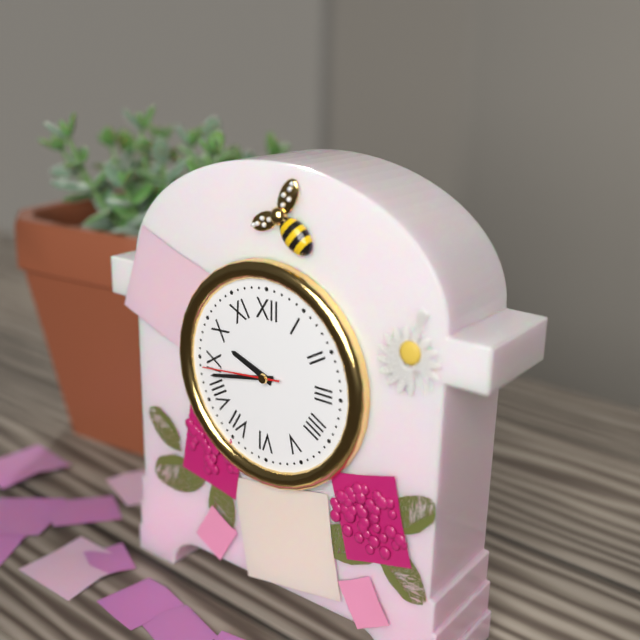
9:43:44
